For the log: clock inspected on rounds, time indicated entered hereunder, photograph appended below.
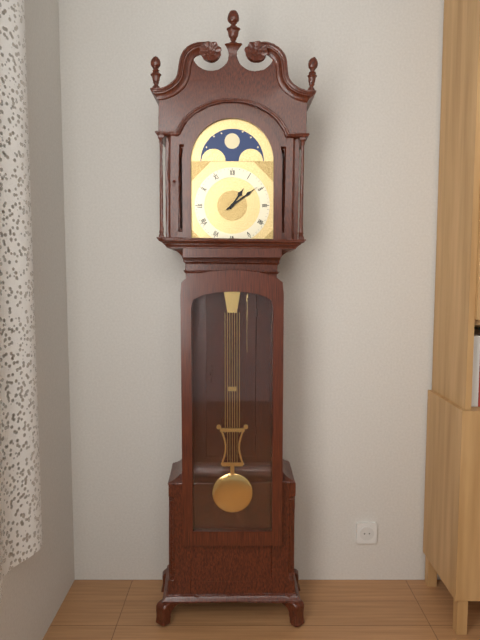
1:09
